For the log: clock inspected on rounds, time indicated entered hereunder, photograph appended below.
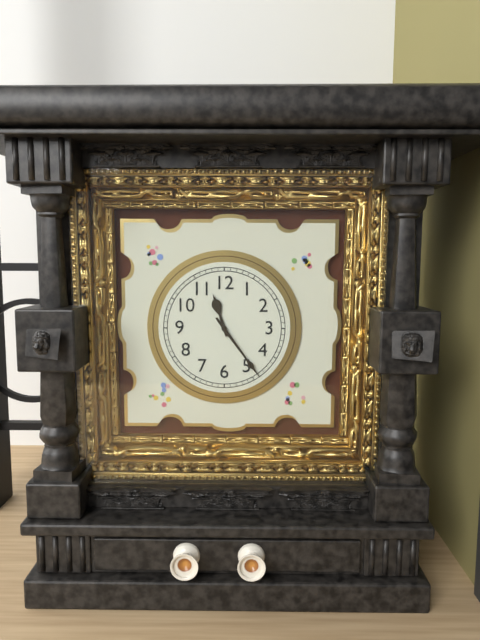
11:24
